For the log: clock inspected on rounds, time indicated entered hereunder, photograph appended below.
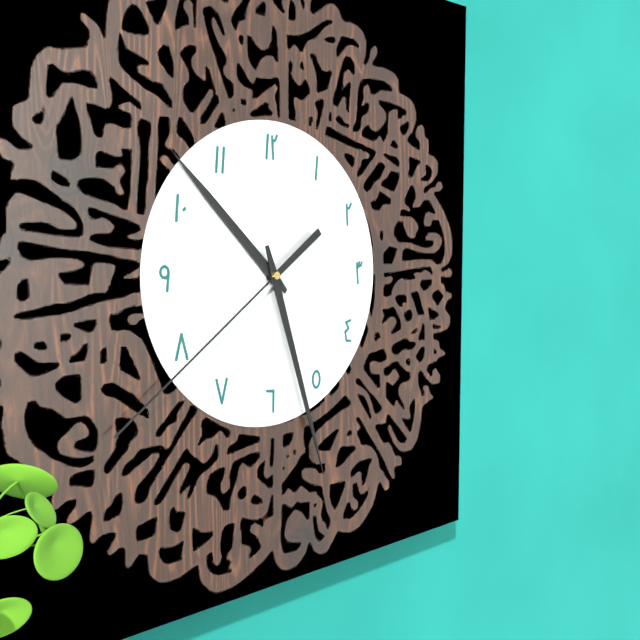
10:27:39
